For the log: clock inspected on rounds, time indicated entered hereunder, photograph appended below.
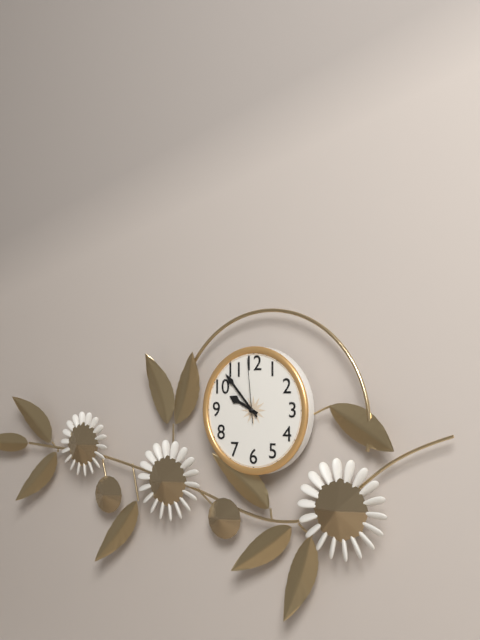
9:53:59
